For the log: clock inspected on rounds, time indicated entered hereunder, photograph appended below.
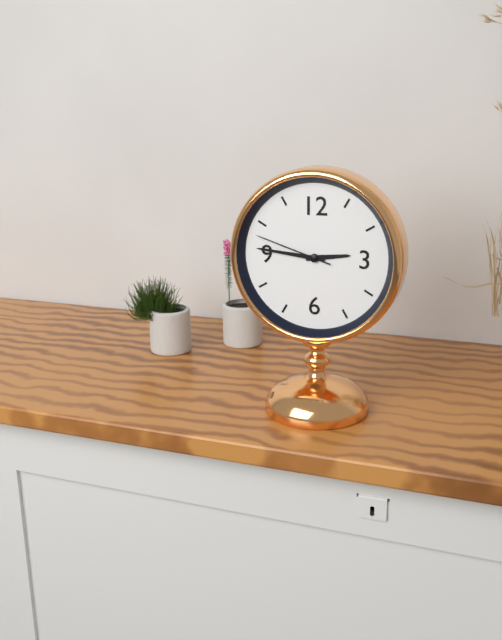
2:46:48
